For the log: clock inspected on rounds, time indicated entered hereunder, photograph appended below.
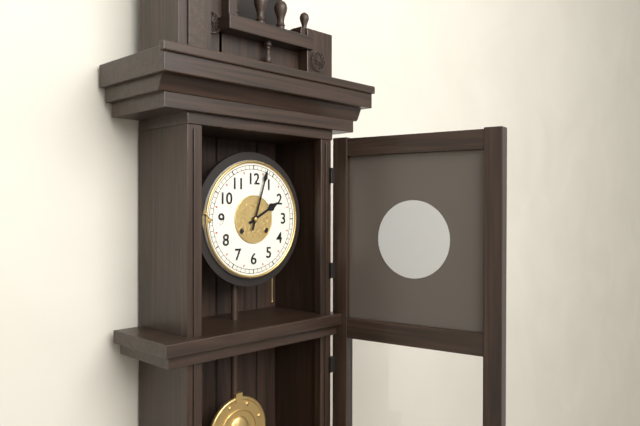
2:03
